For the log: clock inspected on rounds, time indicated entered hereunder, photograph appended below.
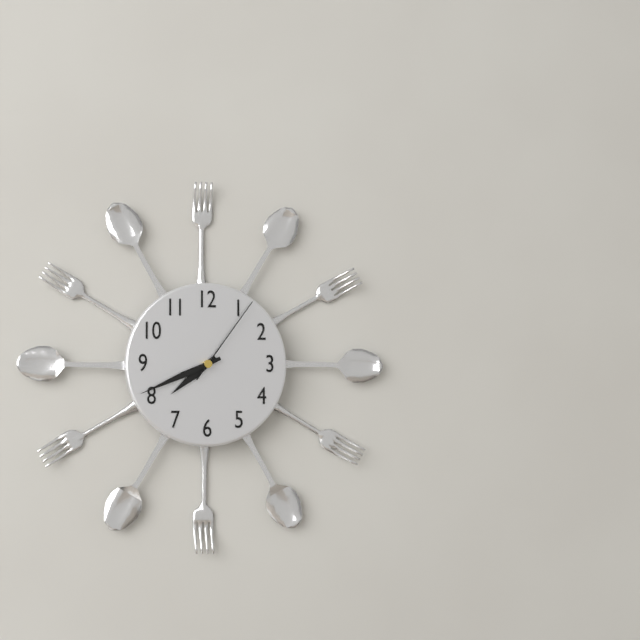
7:41:06
